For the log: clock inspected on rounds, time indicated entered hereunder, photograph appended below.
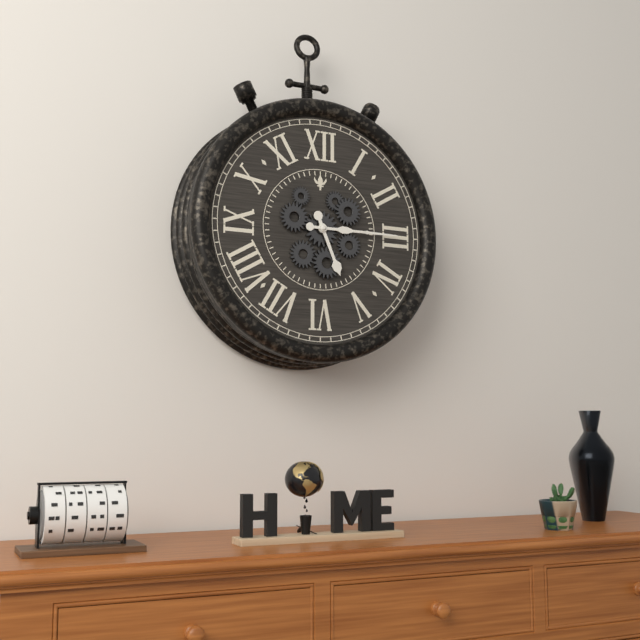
5:15
